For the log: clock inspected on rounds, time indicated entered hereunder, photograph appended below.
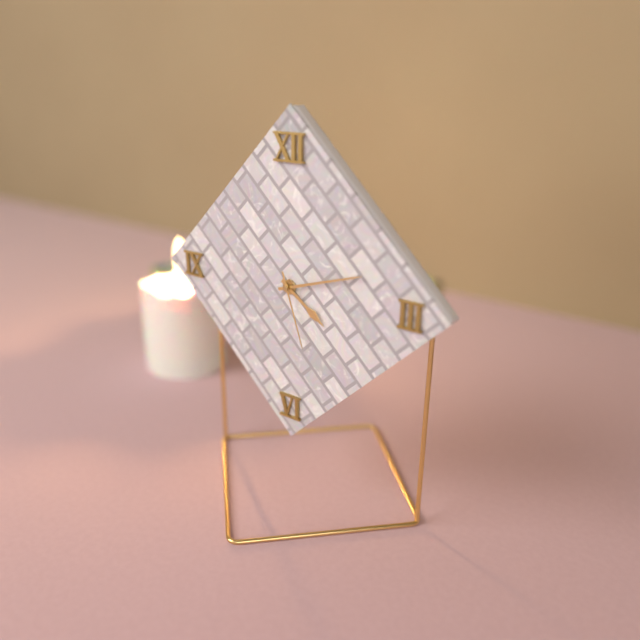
4:12:27
